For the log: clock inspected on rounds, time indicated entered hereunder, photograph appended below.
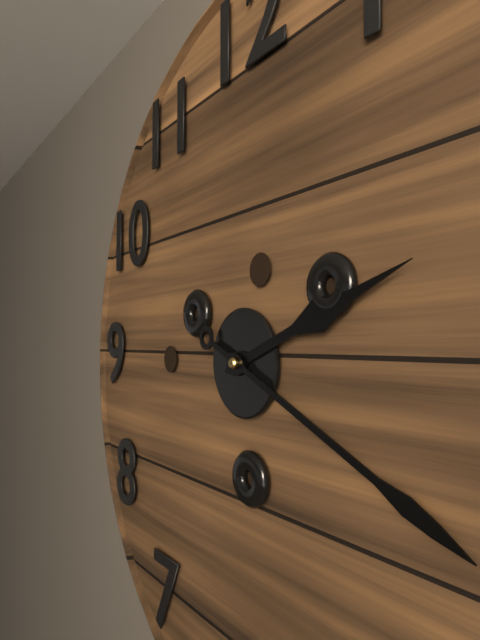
2:19
